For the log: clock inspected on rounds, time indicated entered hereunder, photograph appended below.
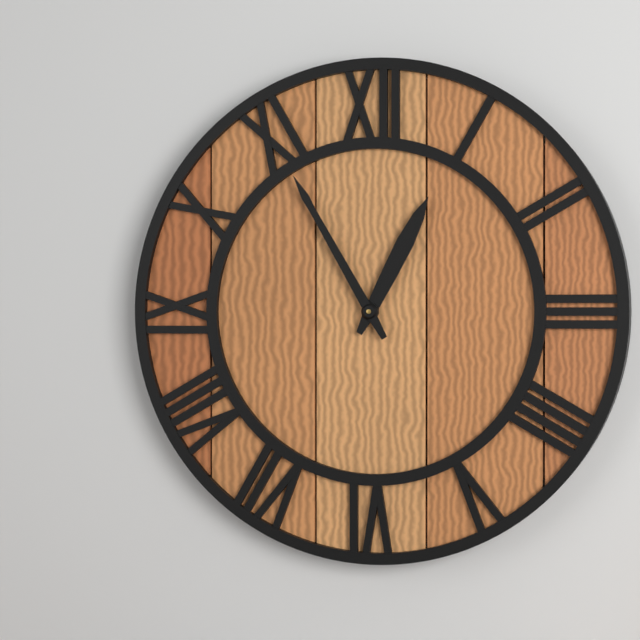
12:55
